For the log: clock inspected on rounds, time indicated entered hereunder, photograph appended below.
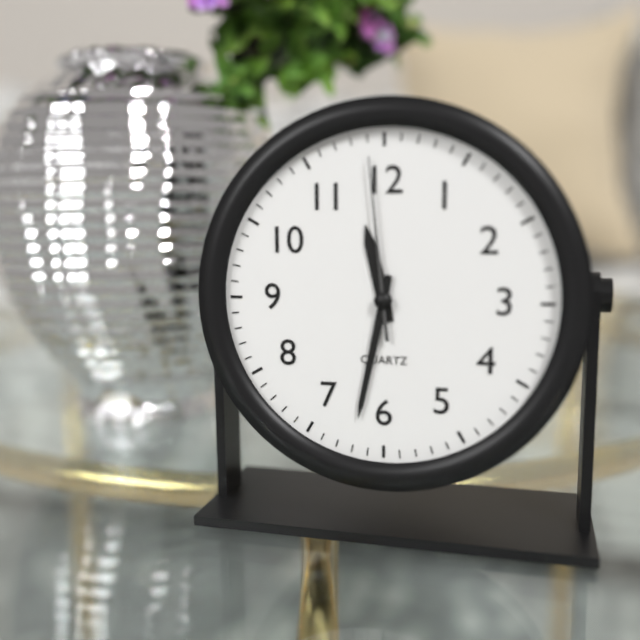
11:32:59
